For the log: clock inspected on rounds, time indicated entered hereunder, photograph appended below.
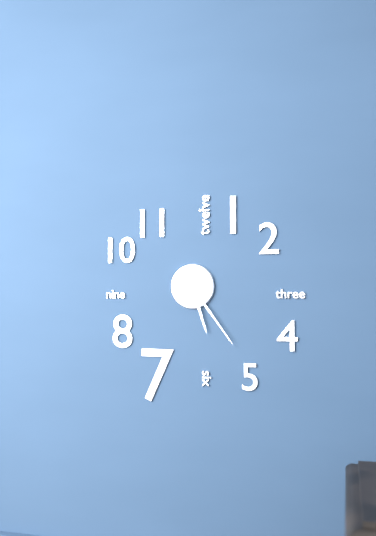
5:24
